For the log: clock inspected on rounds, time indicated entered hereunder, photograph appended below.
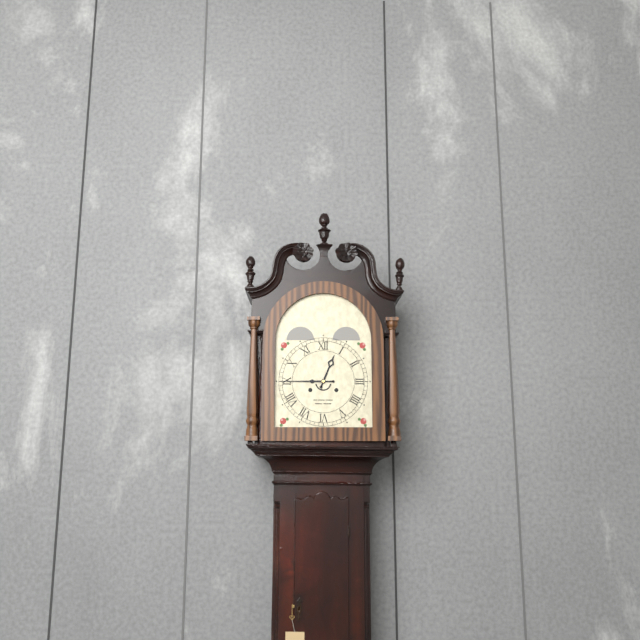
12:45
